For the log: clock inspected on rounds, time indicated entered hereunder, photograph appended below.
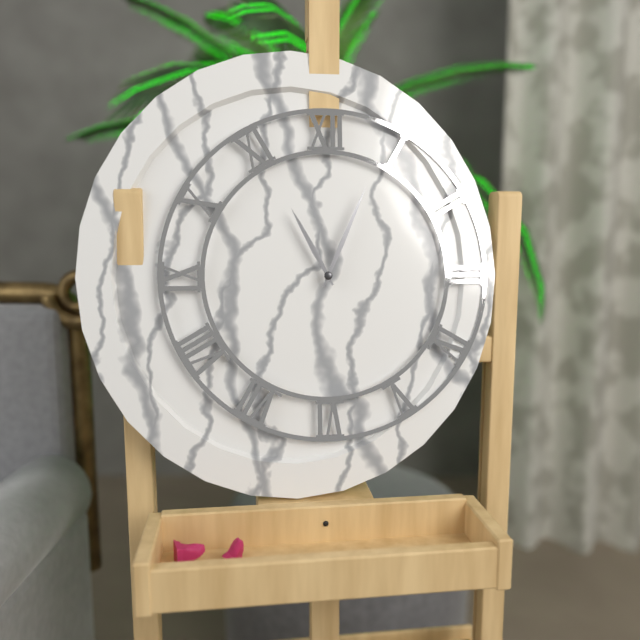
11:04
